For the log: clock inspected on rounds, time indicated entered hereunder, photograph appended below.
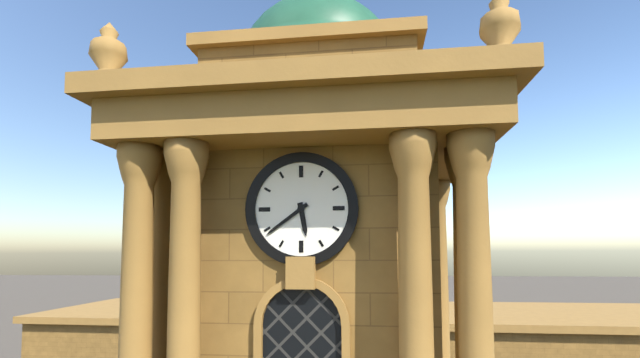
5:39
